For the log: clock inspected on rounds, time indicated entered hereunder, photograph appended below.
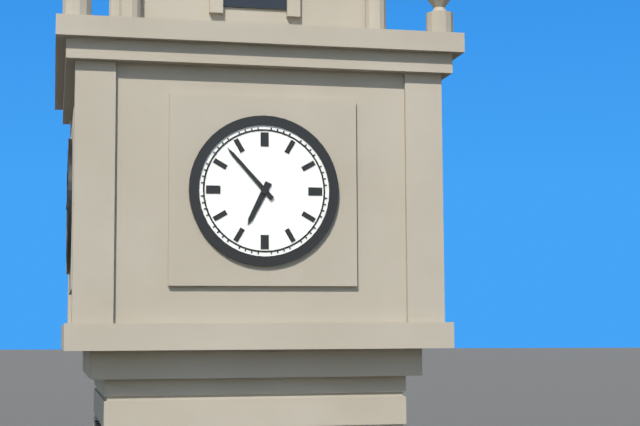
6:53
